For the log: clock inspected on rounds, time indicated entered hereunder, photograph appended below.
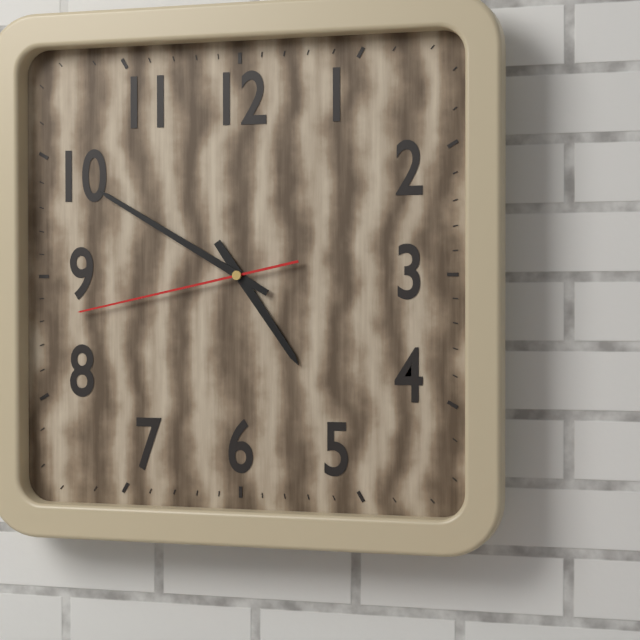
4:50:43
